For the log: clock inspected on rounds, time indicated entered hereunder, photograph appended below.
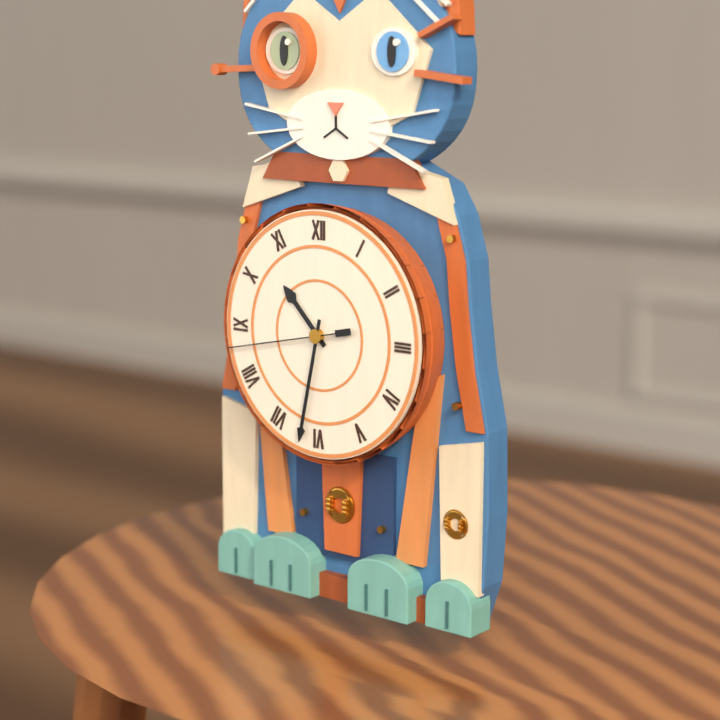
10:32:43
